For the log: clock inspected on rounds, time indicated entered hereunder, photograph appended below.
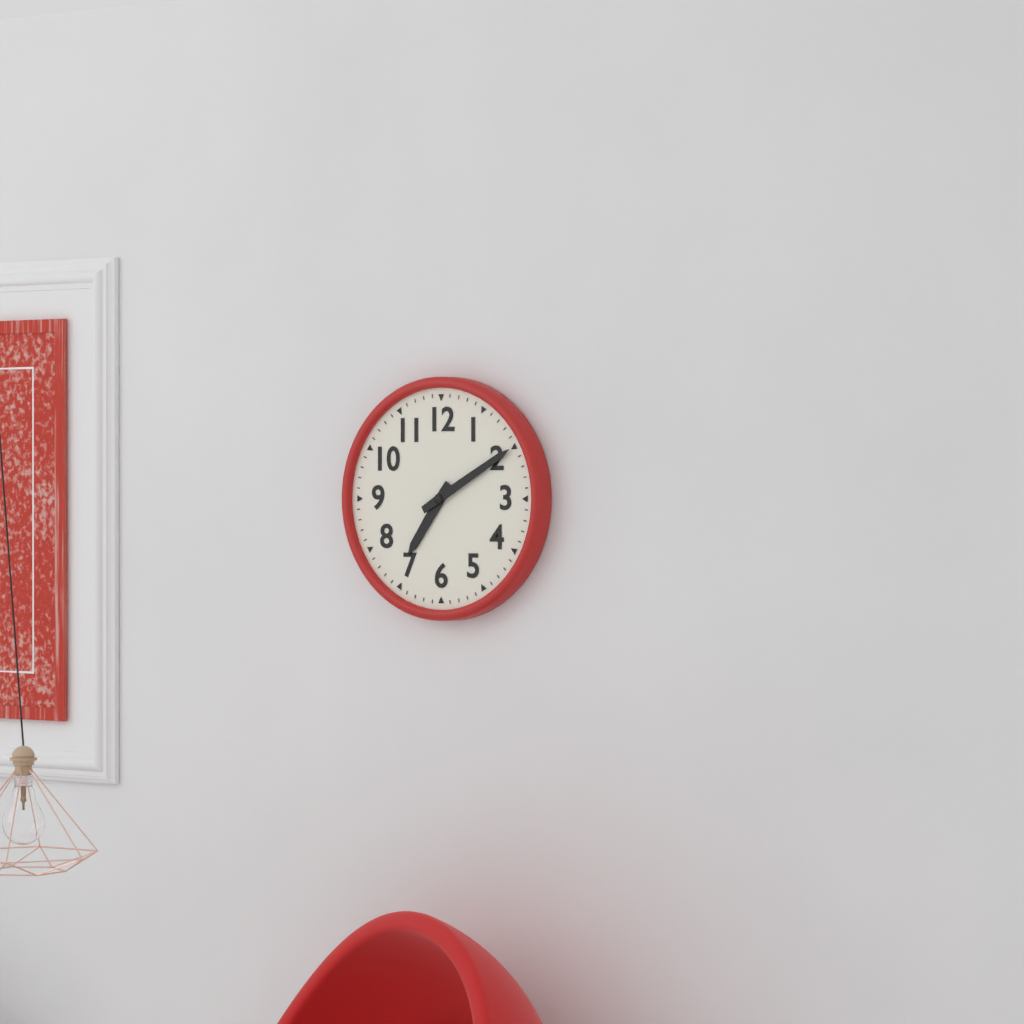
7:10
